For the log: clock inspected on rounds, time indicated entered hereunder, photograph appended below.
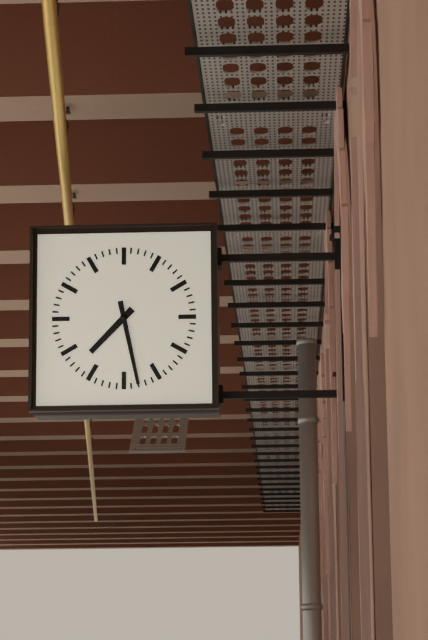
7:28
